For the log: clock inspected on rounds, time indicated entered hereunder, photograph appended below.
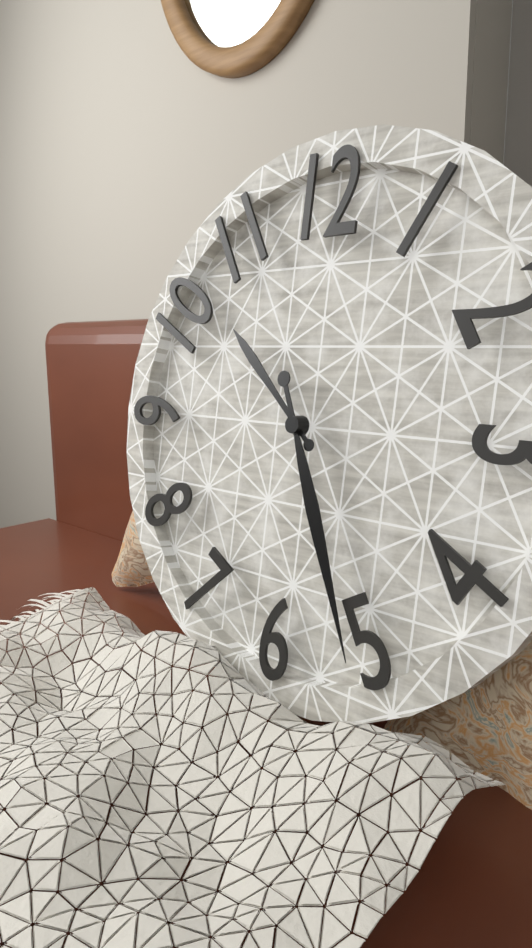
10:26
